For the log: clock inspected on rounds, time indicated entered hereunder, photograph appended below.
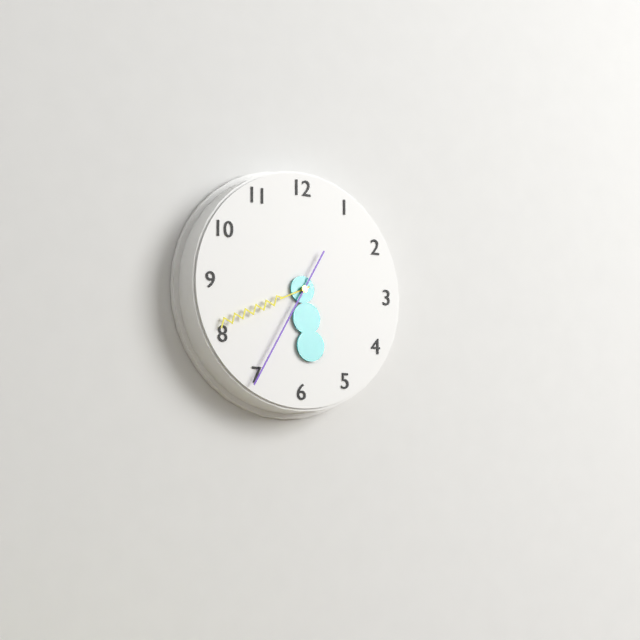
5:41:35
